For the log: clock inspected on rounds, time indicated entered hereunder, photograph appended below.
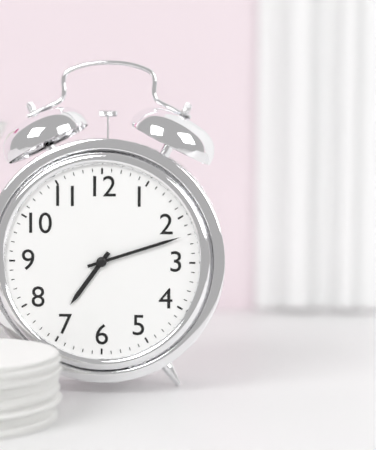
7:12
